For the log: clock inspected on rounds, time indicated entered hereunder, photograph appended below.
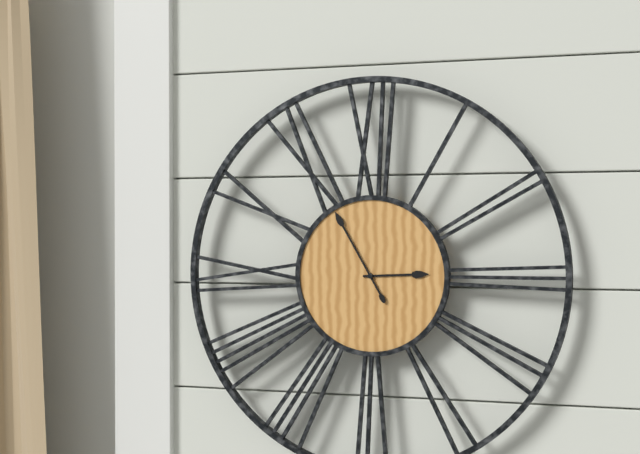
2:55
